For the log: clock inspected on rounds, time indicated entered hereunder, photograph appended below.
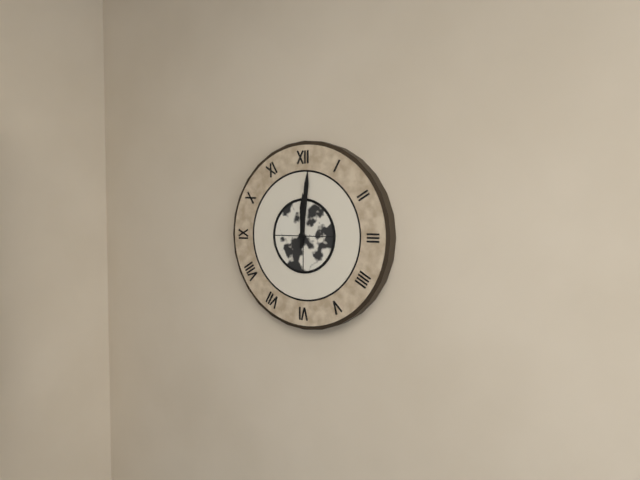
12:01
